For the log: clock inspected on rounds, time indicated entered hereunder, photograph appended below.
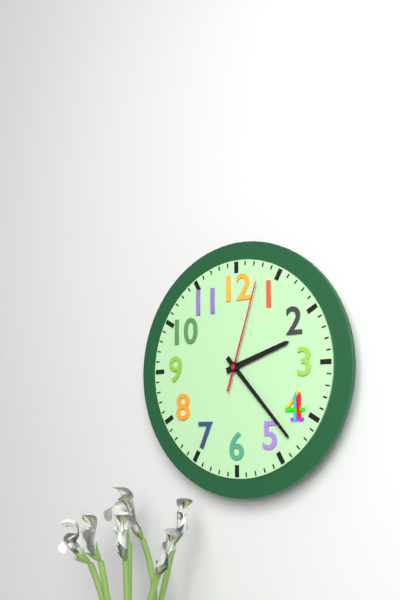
2:23:03
